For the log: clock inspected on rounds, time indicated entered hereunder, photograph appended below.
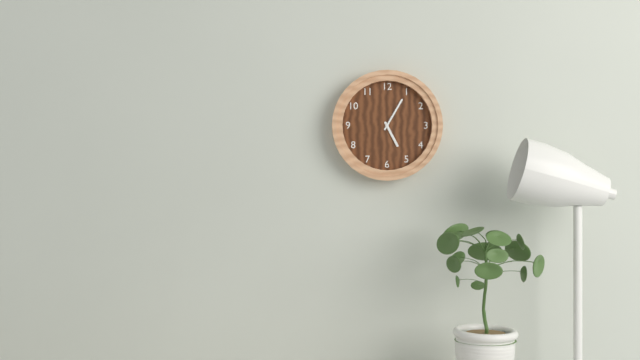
5:05
